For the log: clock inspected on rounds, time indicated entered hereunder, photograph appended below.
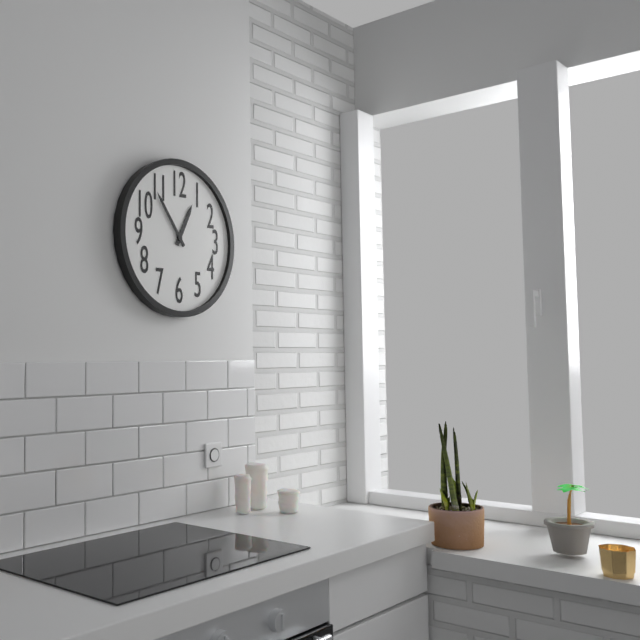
12:54
